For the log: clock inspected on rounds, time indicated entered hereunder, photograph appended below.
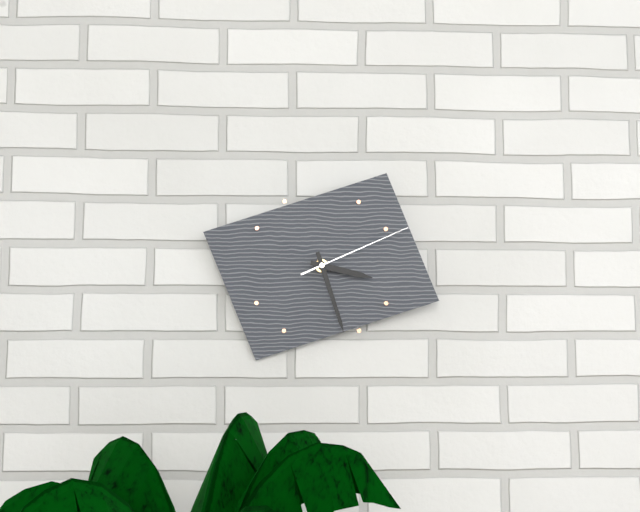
3:27:11
